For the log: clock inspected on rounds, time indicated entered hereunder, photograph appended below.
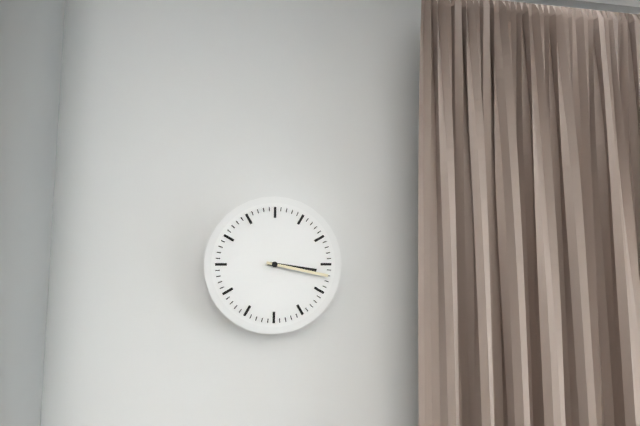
3:17
